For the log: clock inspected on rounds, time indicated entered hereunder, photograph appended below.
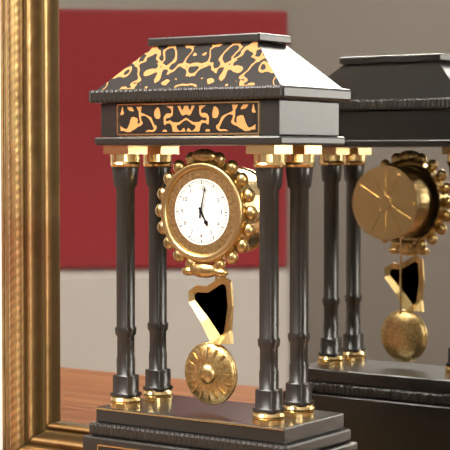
5:02
